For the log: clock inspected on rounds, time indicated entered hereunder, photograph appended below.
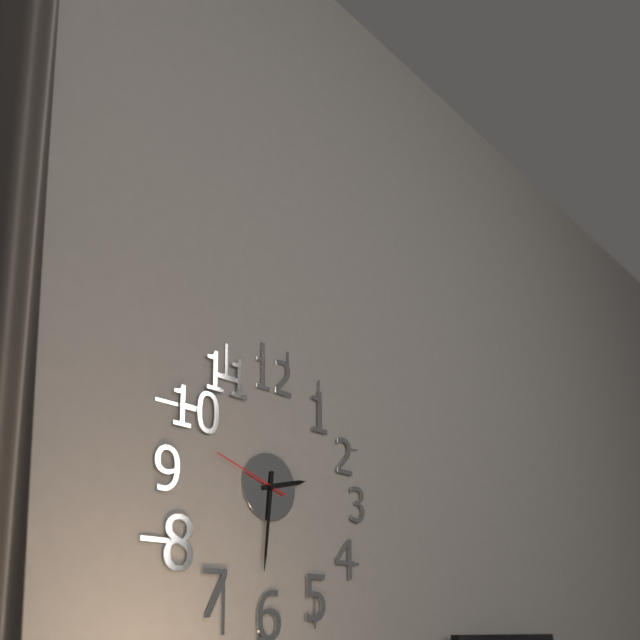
2:31:48
